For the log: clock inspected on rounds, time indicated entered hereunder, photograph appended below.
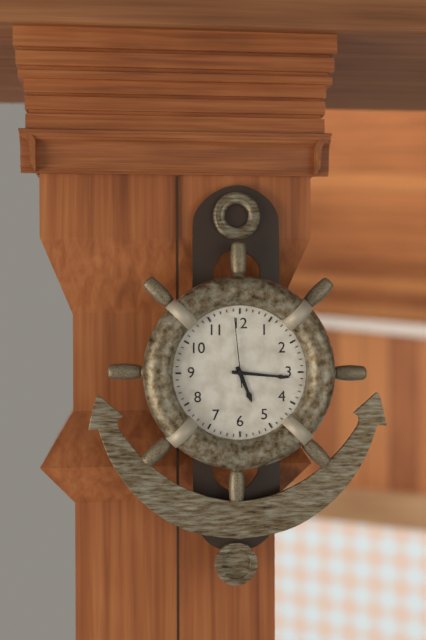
5:16:59
